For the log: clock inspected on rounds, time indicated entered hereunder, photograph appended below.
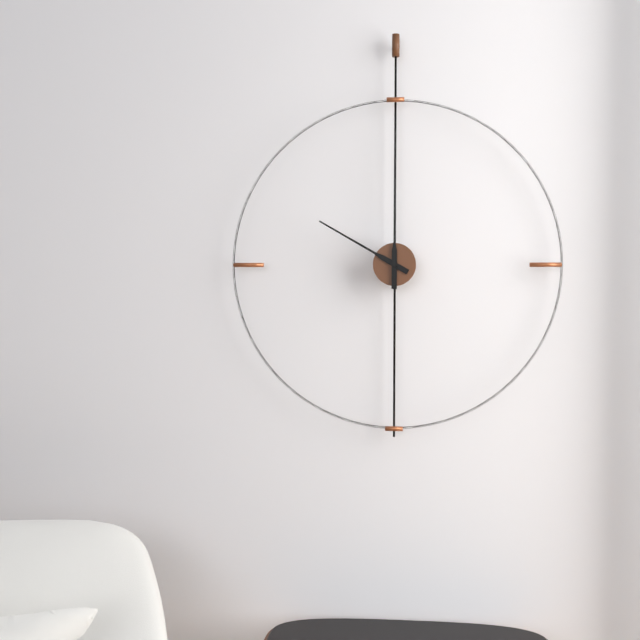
10:00
